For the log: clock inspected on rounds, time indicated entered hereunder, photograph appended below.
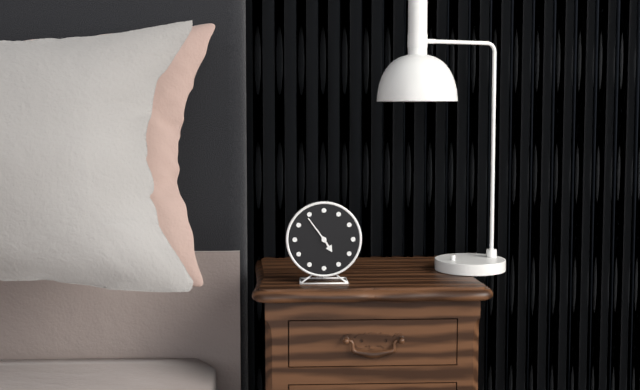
4:54
